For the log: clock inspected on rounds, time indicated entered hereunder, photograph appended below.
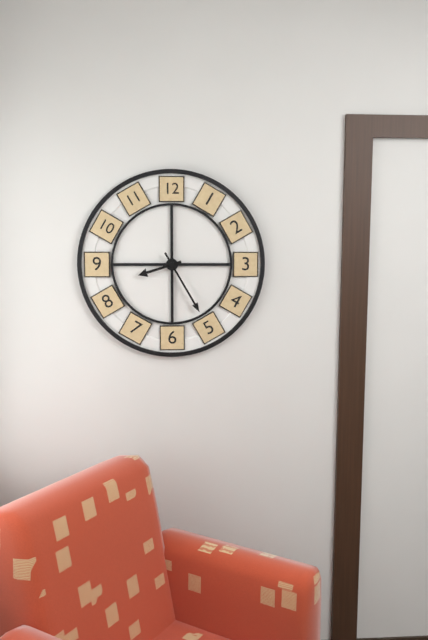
8:25
